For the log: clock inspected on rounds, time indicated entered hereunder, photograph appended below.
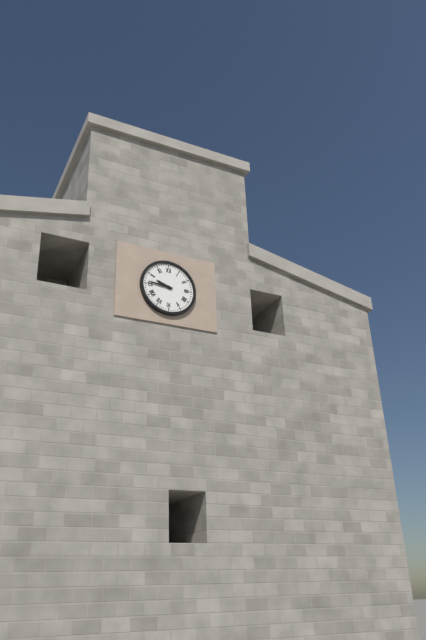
9:46
